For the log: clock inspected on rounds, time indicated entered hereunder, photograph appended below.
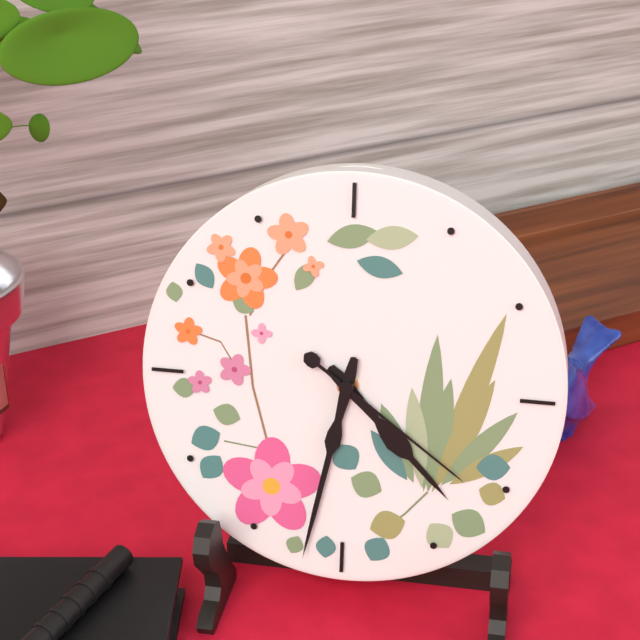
4:32:21
